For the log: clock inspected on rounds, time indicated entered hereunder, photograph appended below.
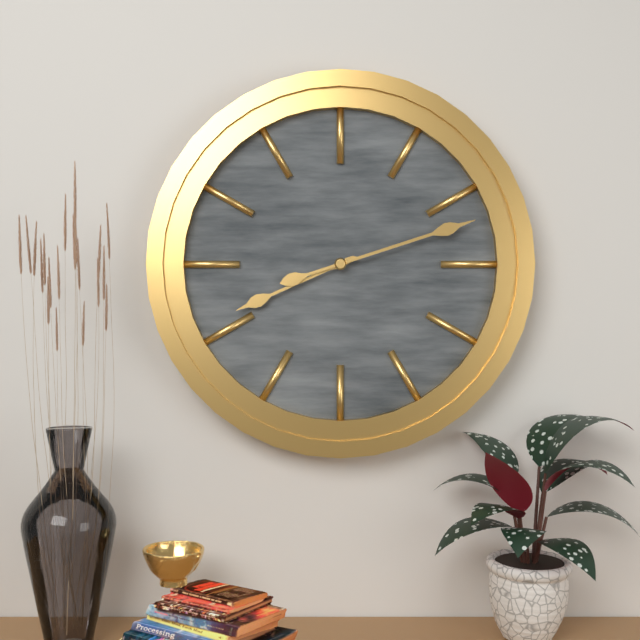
8:12
